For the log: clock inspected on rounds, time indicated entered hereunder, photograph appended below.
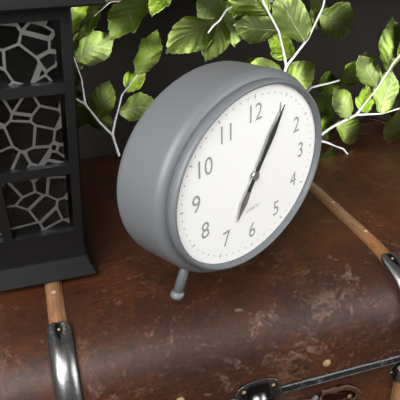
7:06
